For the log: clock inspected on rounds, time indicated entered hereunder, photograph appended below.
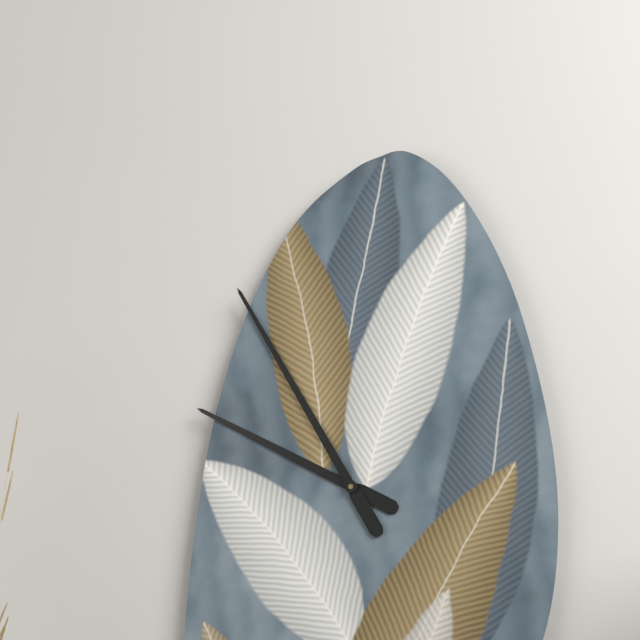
9:55
